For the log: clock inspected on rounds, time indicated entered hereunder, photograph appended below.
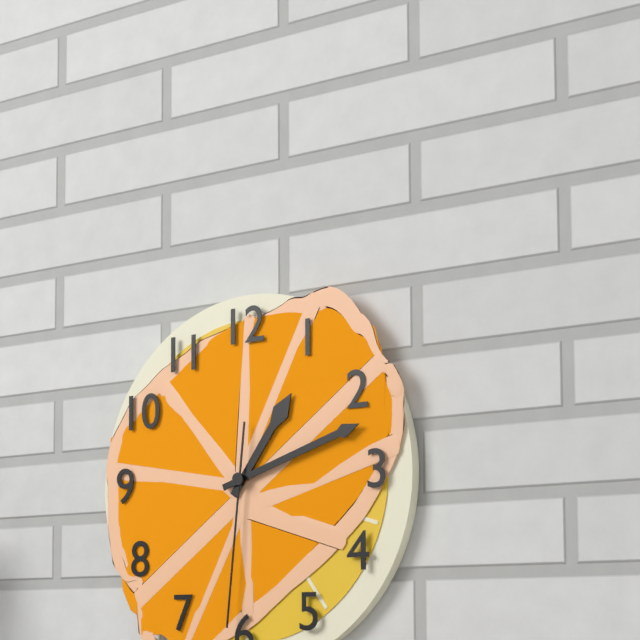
1:12:31
